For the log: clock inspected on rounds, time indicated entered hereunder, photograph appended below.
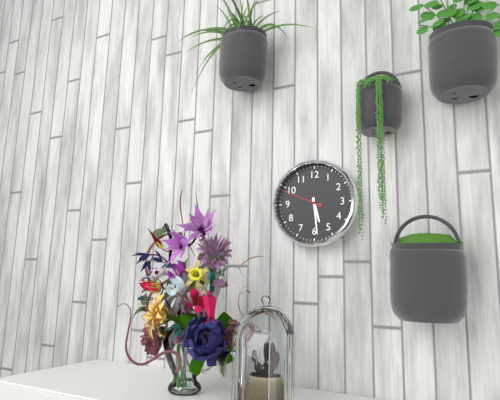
5:29
